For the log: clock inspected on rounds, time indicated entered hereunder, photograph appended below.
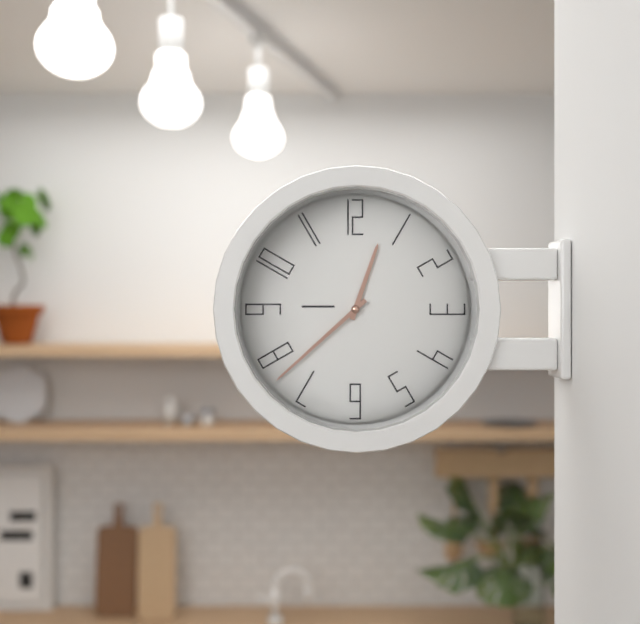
12:38
